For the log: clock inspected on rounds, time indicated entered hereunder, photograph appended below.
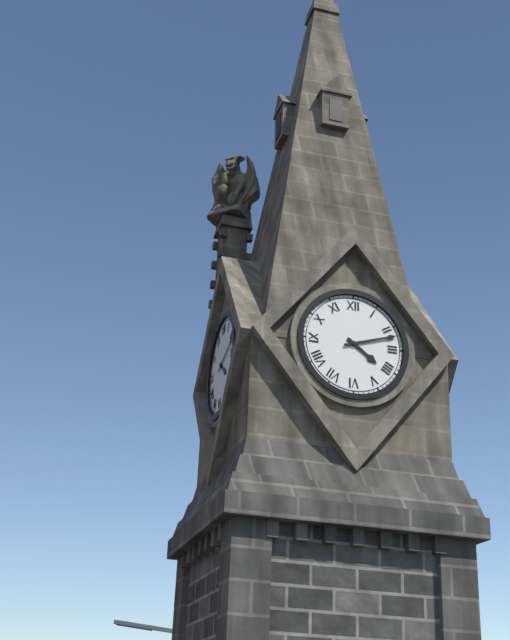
4:12
